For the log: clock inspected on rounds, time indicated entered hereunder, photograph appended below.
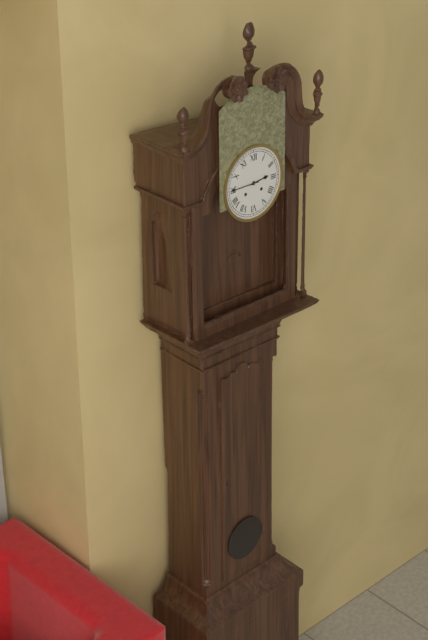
2:45
